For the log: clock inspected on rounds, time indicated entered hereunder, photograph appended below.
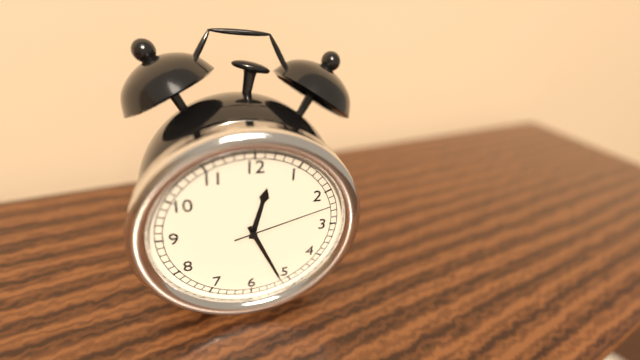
12:26:12
